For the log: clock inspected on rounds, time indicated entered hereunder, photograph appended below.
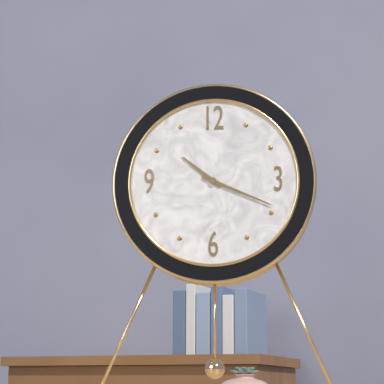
10:19
